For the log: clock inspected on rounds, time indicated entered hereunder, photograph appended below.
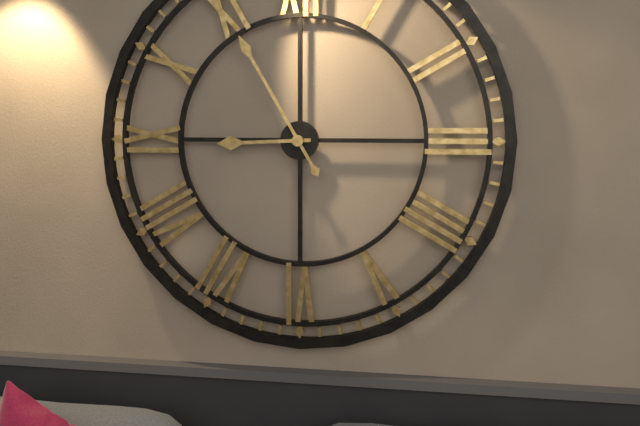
8:55
